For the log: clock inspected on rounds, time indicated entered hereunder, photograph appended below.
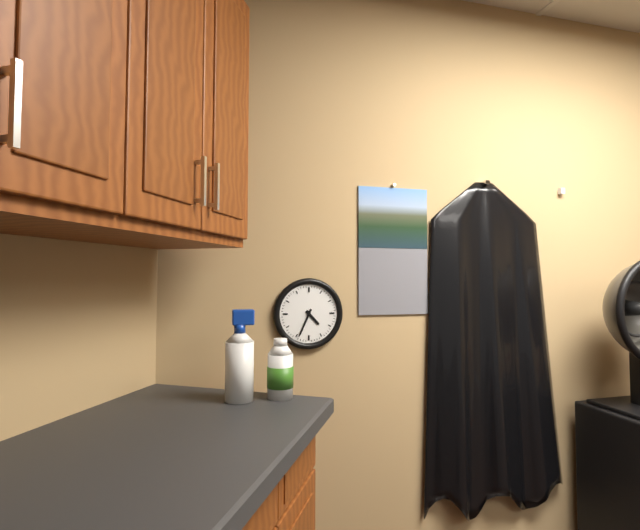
4:34
